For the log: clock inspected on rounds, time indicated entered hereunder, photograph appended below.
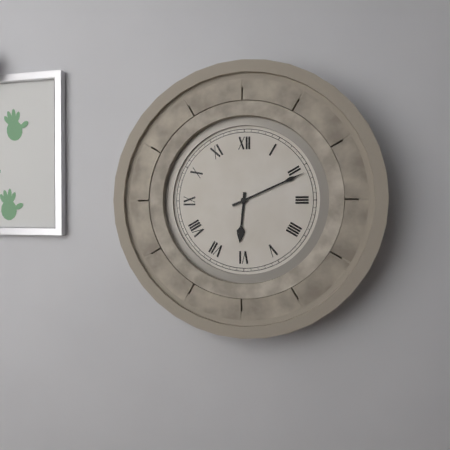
6:11
